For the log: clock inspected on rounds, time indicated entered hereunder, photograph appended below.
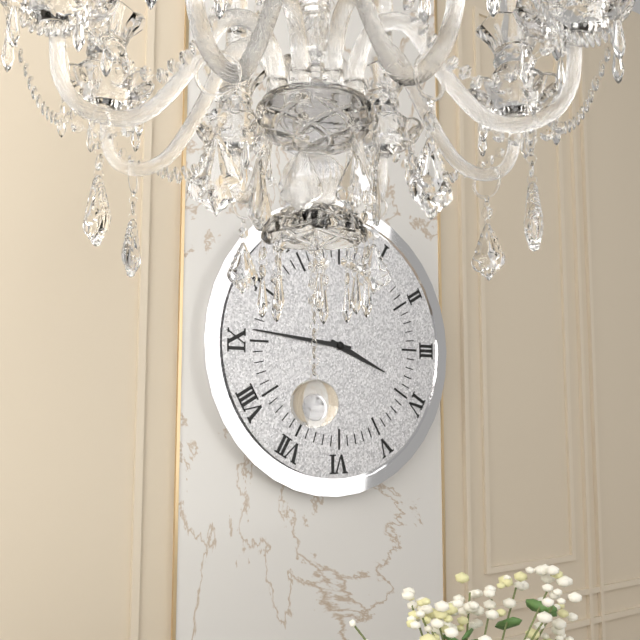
3:46
